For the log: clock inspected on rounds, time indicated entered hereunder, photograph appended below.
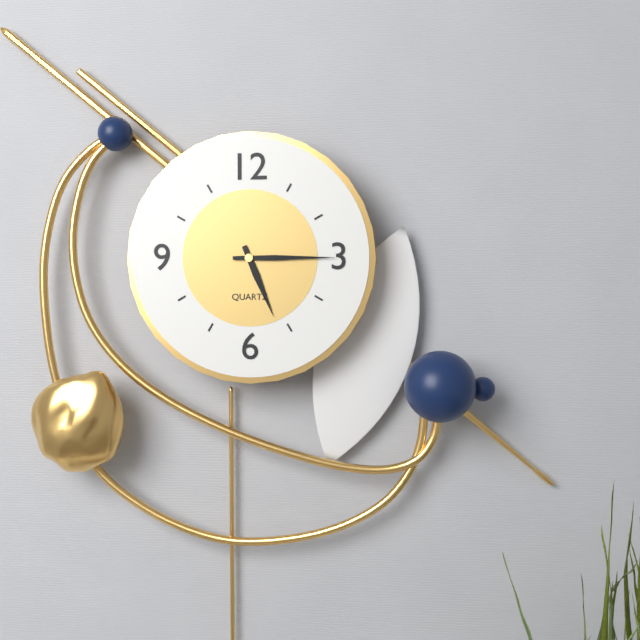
5:15
